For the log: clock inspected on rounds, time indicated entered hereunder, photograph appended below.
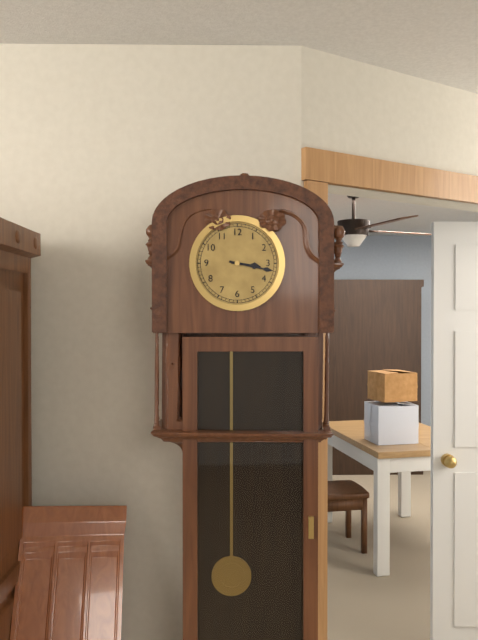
3:17
